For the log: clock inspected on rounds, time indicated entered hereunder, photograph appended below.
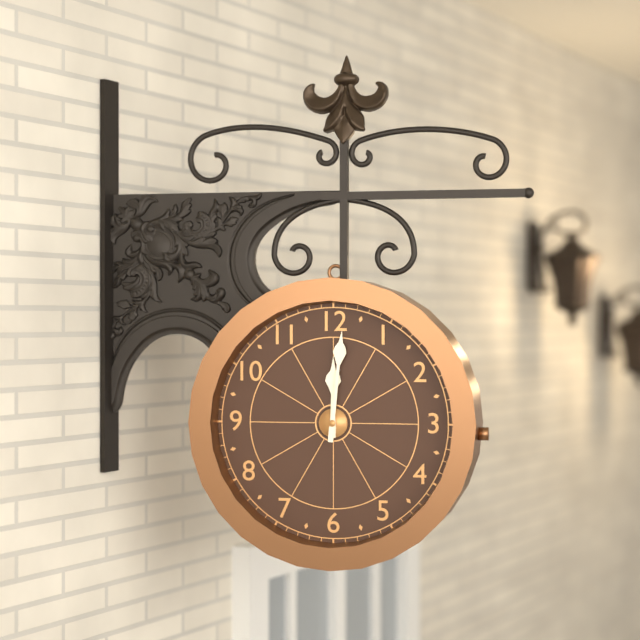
12:01
